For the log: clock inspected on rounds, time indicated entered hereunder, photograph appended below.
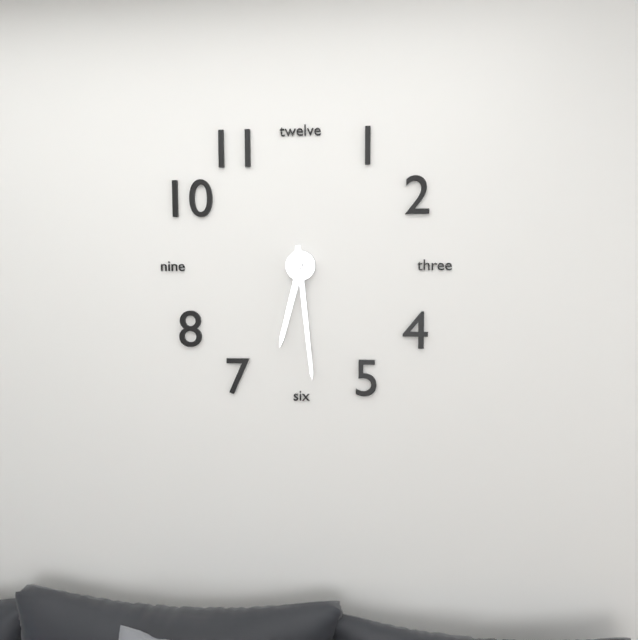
6:29
